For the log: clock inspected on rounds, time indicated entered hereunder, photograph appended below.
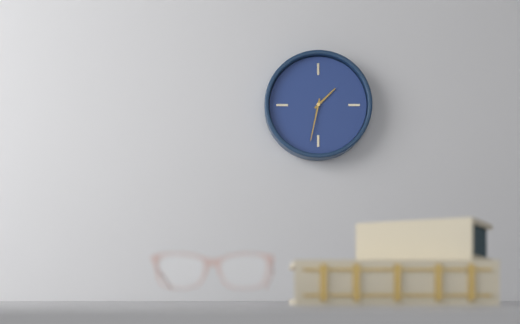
1:32
